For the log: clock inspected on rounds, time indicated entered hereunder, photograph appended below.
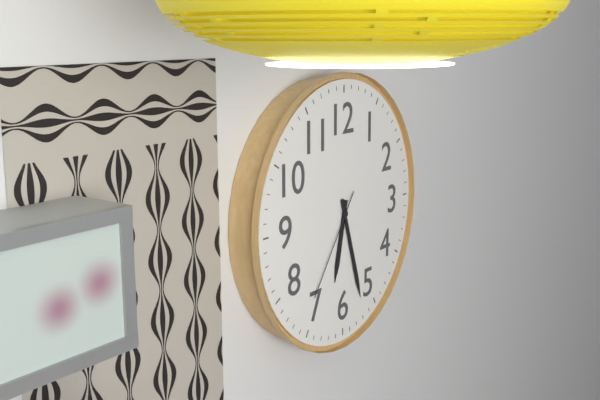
6:27:36
